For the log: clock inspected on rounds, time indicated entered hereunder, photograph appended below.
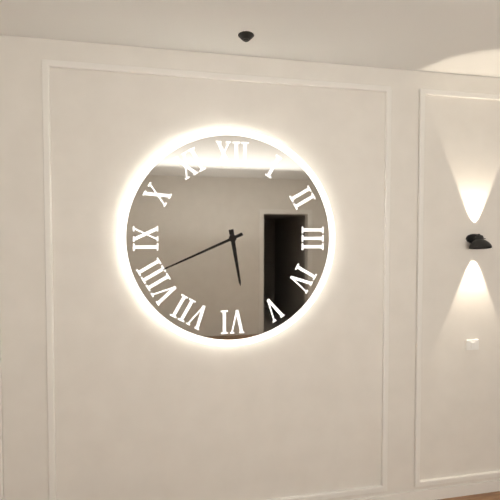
5:41
